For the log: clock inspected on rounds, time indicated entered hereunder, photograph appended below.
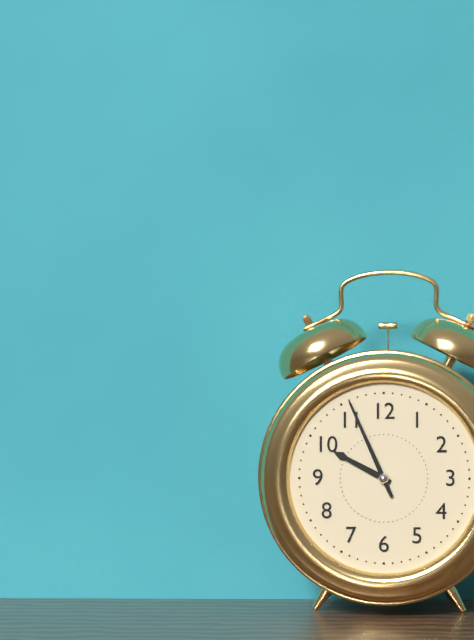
9:56
